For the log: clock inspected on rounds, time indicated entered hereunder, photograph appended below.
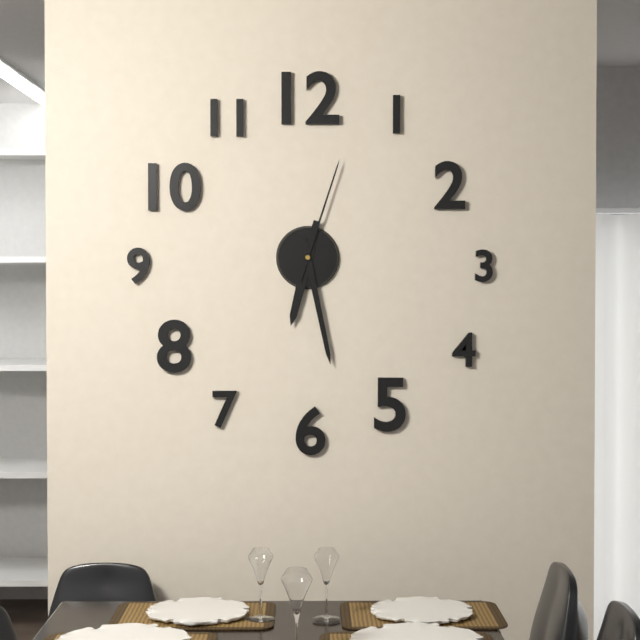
6:28:03
